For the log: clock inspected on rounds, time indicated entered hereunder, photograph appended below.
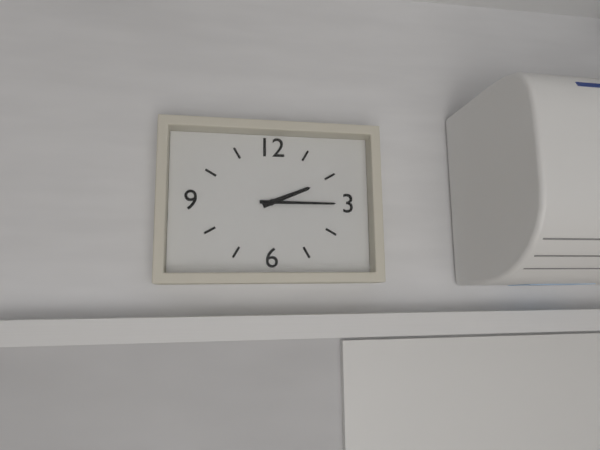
2:15
